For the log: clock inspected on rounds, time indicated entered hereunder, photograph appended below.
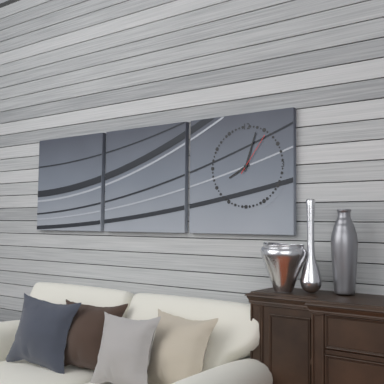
8:03
